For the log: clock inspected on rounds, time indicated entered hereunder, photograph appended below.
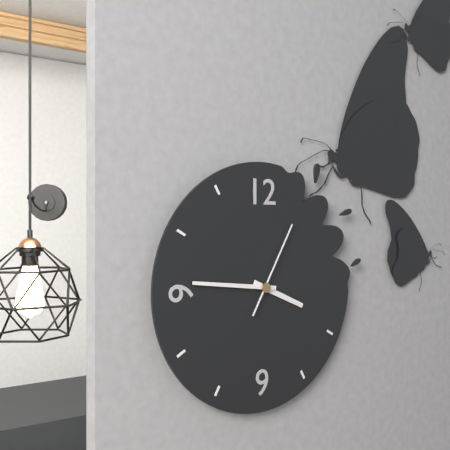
3:46:05
